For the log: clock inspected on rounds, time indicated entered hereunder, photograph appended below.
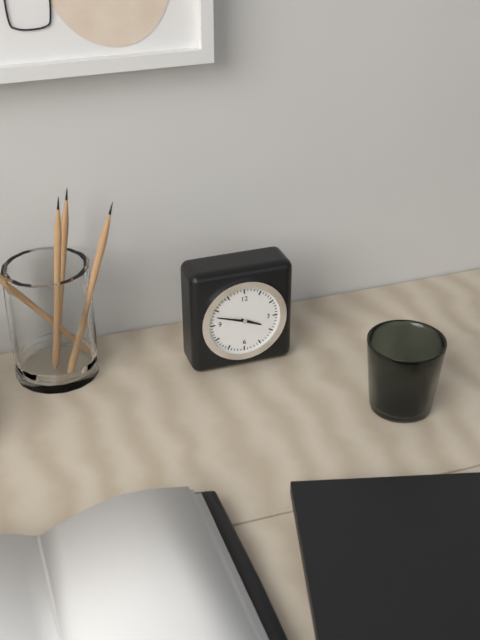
3:48
